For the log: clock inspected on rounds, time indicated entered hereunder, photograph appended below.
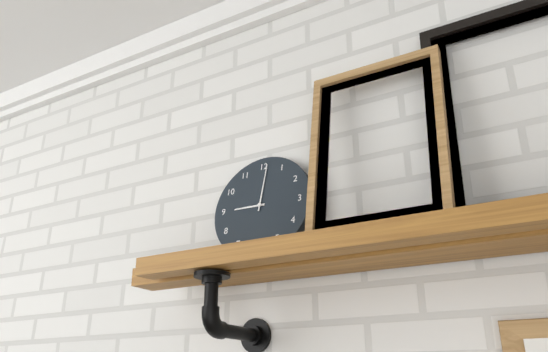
9:01
